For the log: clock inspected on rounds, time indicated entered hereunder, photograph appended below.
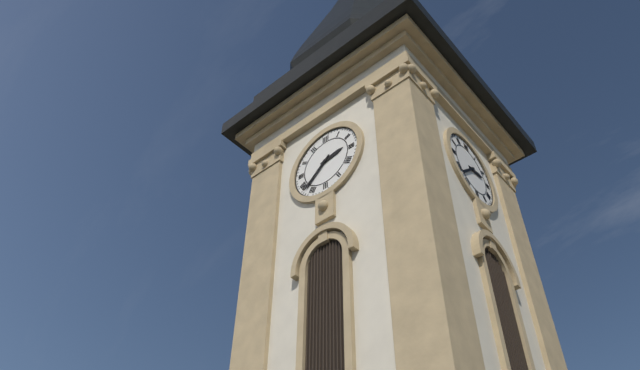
2:38
